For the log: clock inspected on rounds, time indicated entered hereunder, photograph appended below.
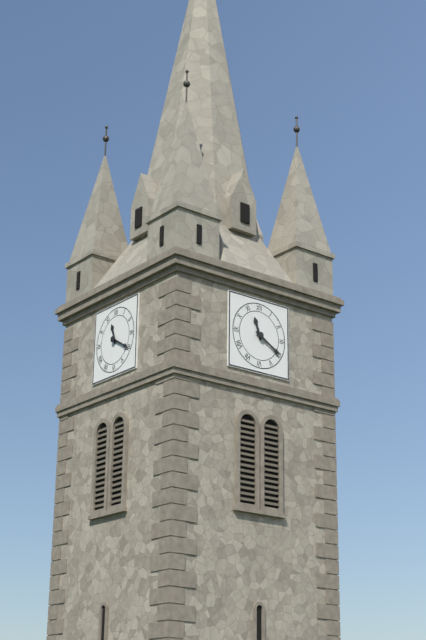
11:20
